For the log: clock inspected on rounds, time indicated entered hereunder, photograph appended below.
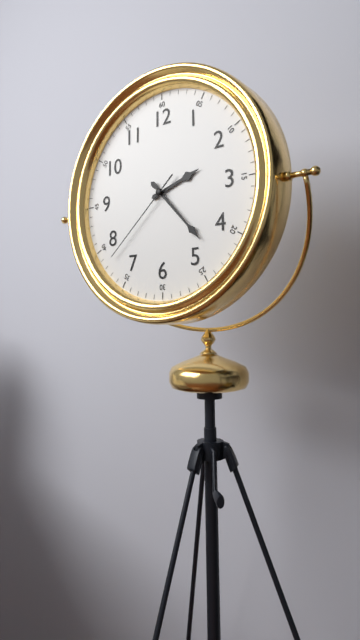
2:23:38
